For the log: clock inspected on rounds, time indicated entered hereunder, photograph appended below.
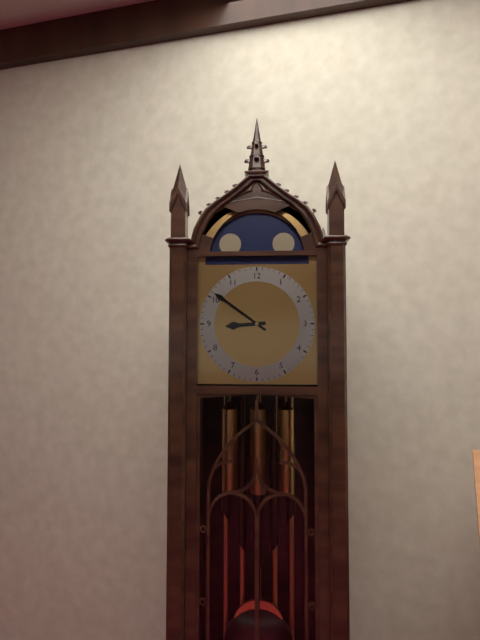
8:51
